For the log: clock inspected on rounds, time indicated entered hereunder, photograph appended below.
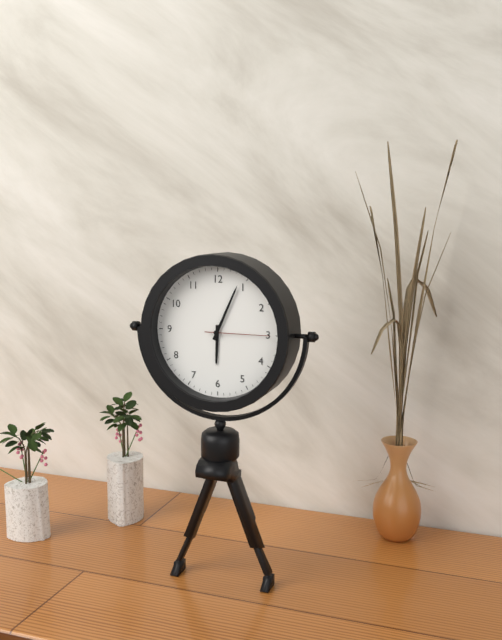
6:04:15
